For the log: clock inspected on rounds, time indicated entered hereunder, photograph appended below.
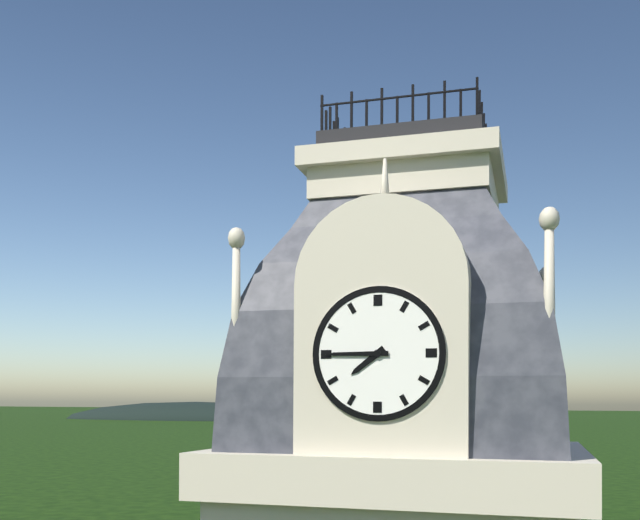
7:45
